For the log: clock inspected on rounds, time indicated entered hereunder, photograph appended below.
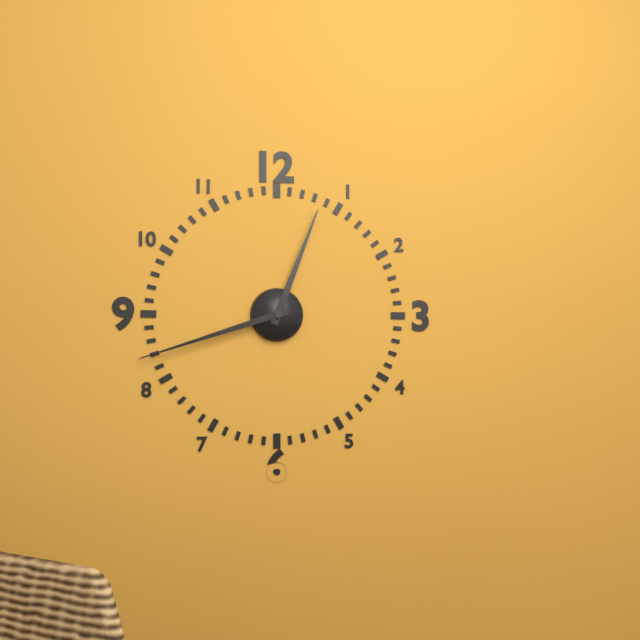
12:42
